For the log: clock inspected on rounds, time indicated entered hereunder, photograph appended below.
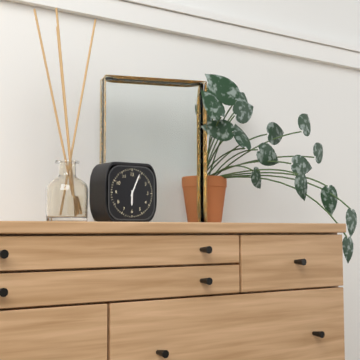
6:04
